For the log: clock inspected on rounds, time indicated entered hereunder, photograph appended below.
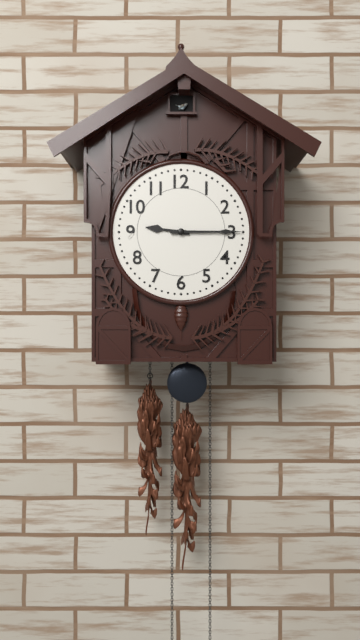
9:15
